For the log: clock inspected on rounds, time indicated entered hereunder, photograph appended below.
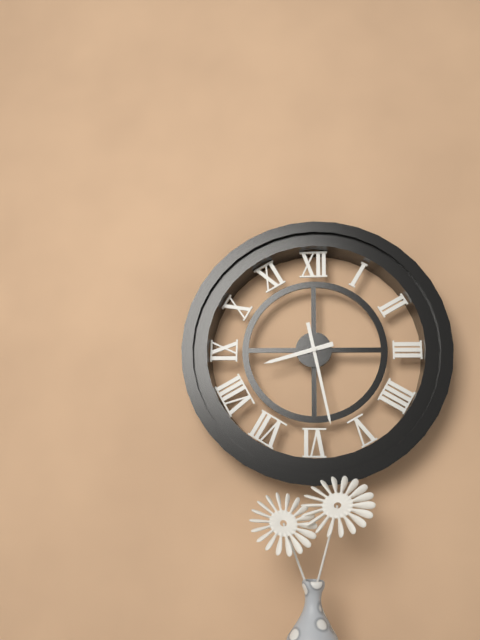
8:28
